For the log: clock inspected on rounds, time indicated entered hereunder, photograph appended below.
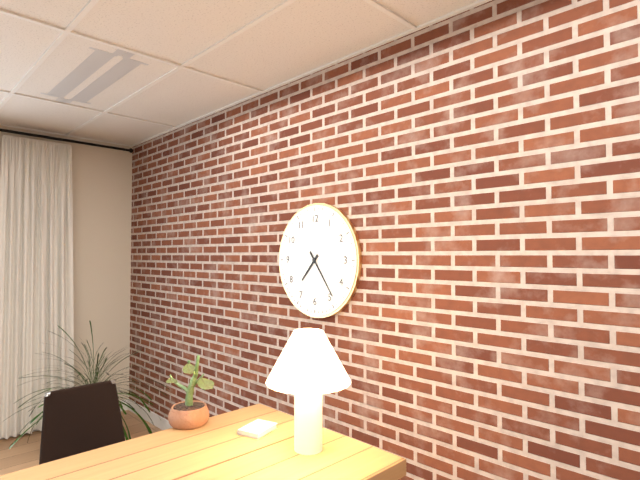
7:24
